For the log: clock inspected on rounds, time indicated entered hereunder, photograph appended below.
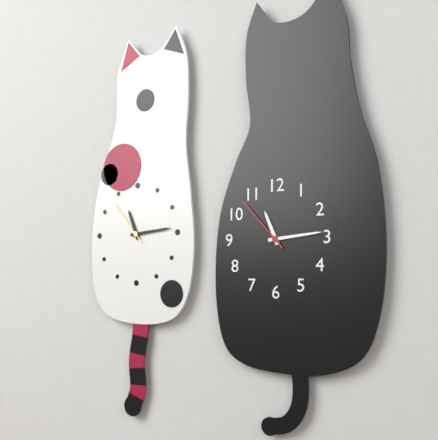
11:14:53
